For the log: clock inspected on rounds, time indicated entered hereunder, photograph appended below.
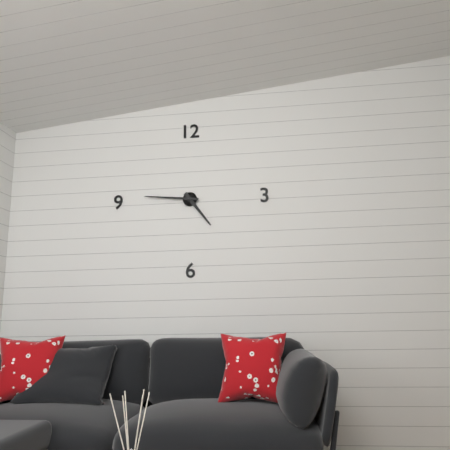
4:46
